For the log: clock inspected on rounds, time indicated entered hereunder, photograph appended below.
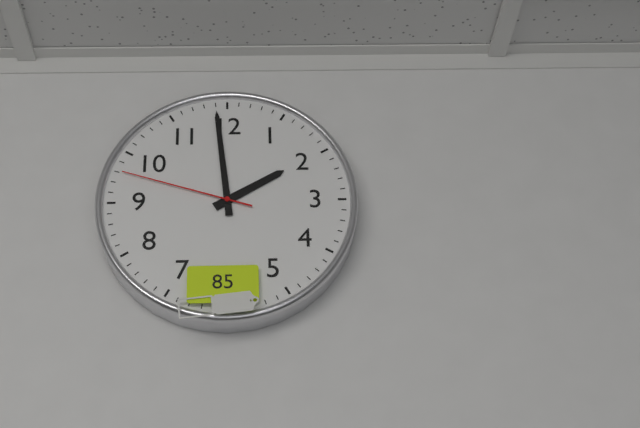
1:59:48
